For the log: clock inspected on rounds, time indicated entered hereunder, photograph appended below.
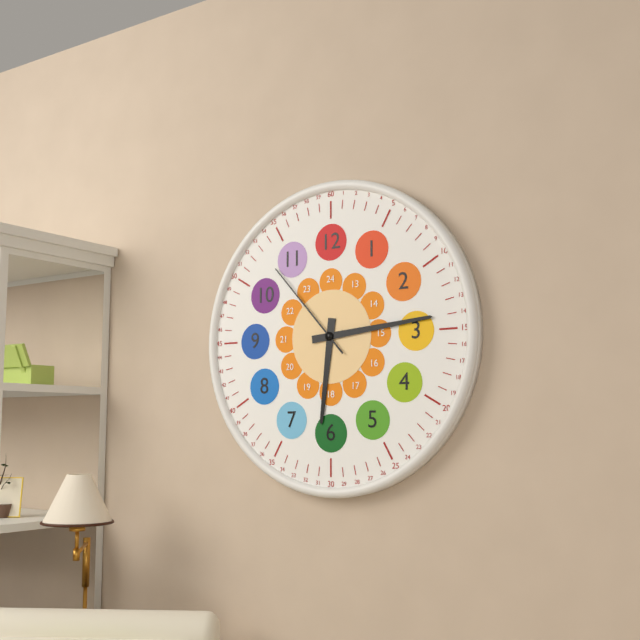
6:14:53
